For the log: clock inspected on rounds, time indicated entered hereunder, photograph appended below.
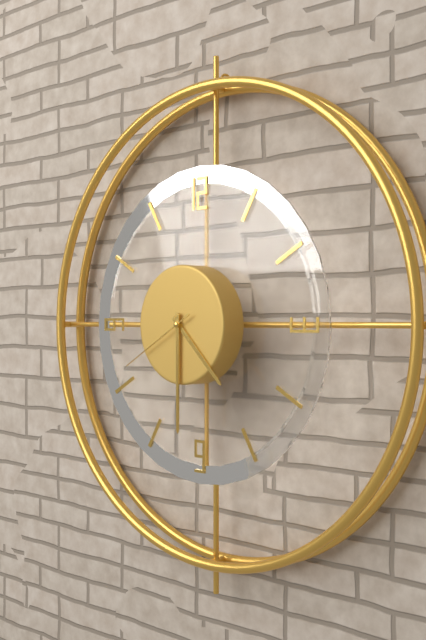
4:30:40
